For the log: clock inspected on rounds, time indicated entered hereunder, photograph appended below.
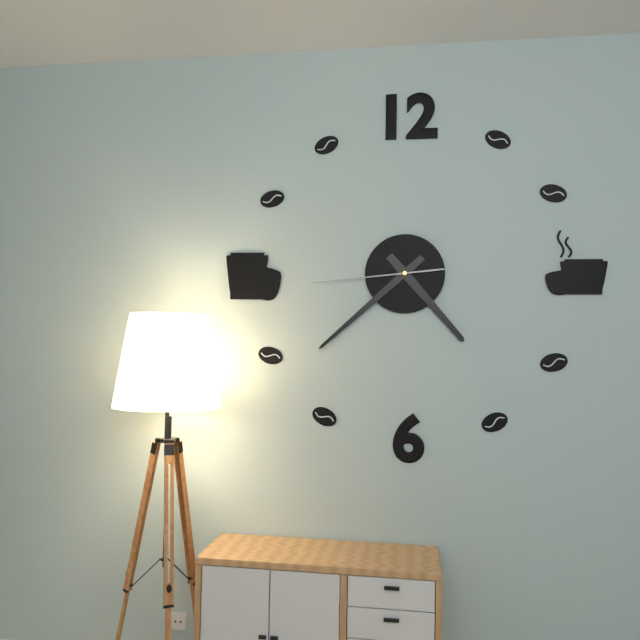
4:38:44
